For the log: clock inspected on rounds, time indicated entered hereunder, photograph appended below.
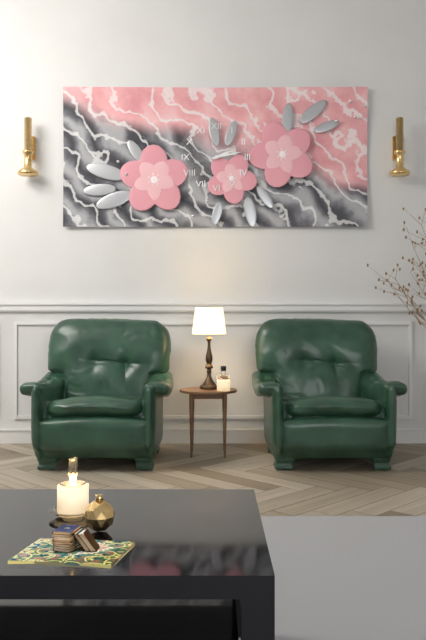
2:13
